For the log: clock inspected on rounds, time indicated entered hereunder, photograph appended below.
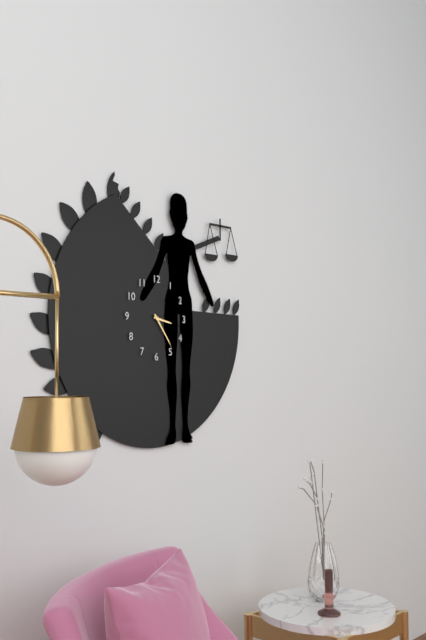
3:24
